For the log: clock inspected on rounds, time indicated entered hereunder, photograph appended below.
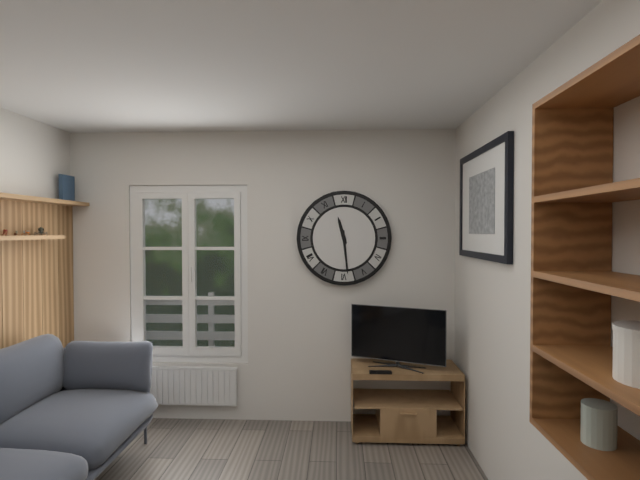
11:29
